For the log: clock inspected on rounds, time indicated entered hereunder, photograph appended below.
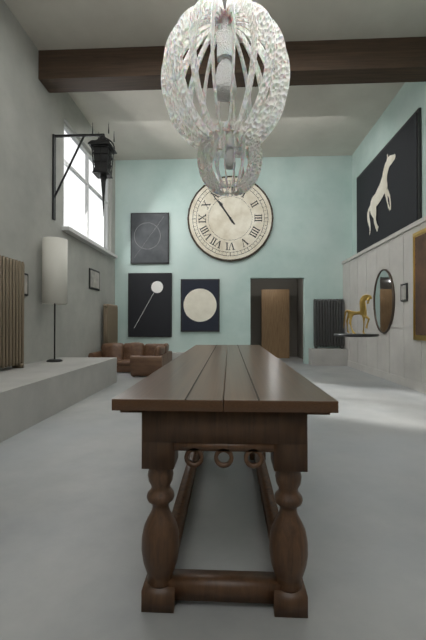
10:54
